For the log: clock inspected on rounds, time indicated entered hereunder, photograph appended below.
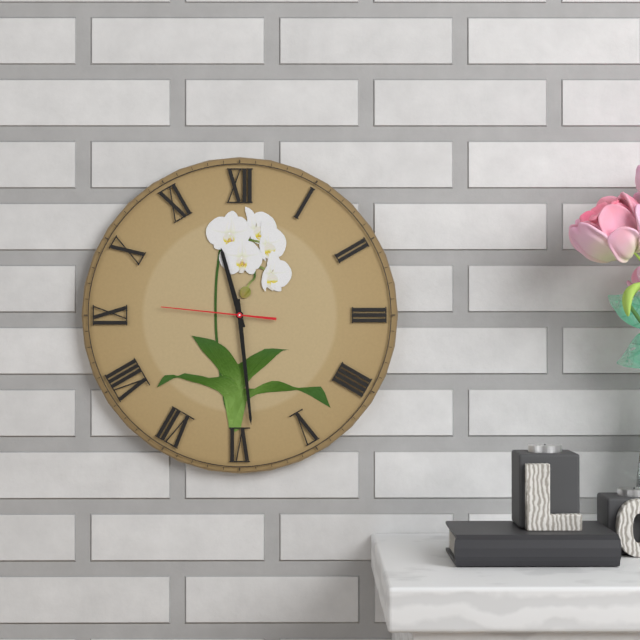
11:29:46
